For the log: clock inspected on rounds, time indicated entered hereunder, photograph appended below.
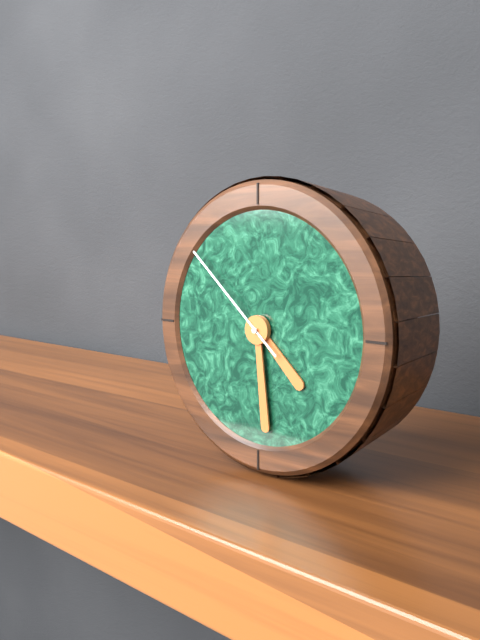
4:29:52
